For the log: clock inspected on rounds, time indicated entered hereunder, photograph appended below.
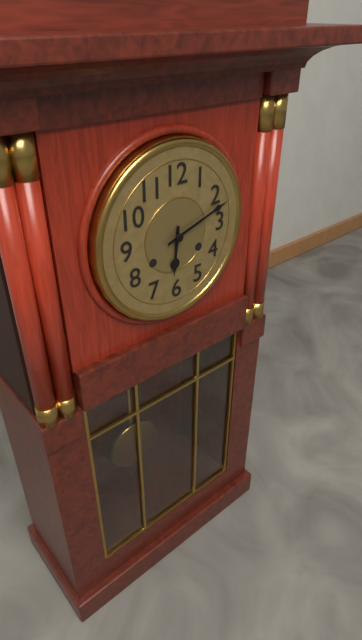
6:12
